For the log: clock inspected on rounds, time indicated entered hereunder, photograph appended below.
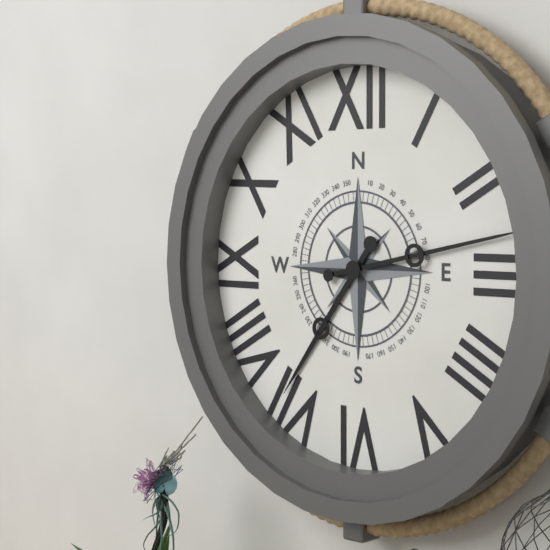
7:13
